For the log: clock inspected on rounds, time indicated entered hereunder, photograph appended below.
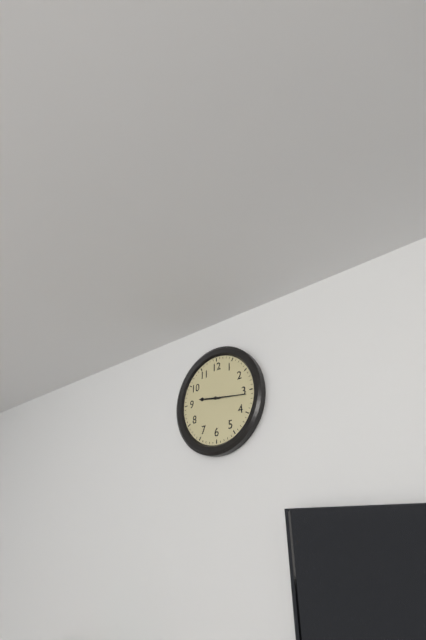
9:16
